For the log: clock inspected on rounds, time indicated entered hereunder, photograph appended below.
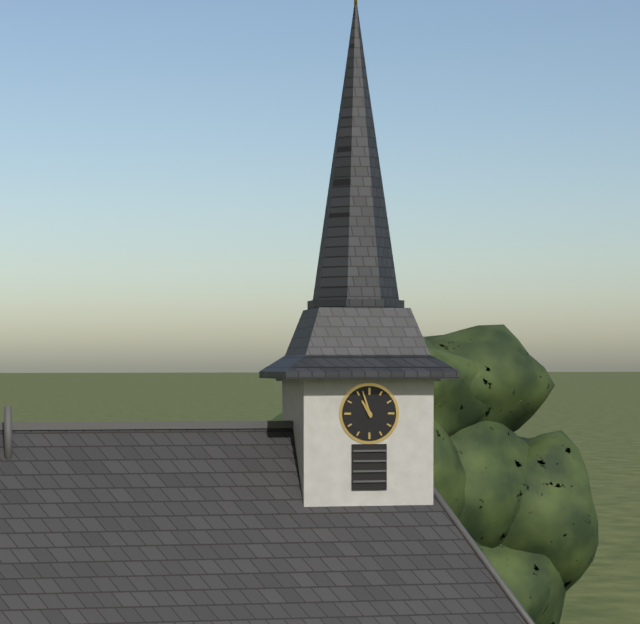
10:57
